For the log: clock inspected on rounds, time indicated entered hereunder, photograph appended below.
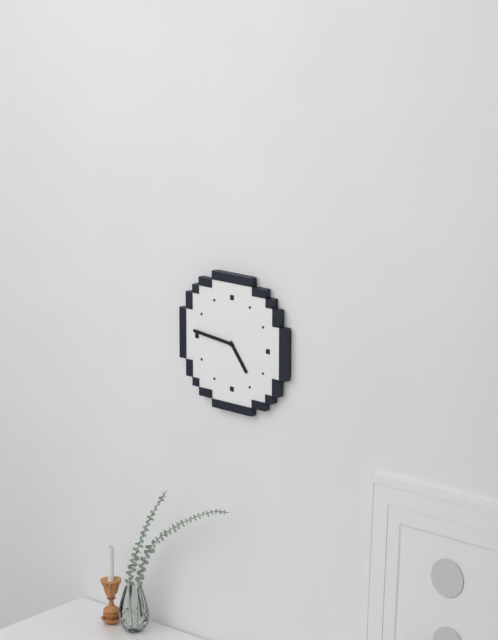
4:46
